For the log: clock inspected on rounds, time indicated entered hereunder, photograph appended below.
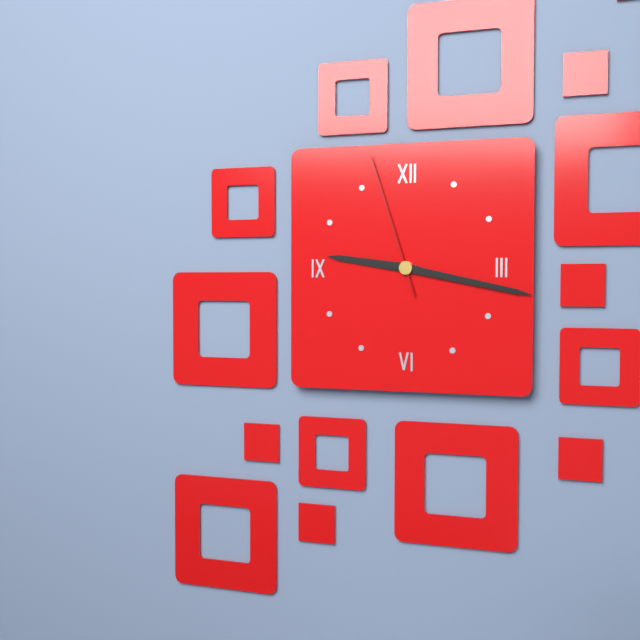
9:17:57
